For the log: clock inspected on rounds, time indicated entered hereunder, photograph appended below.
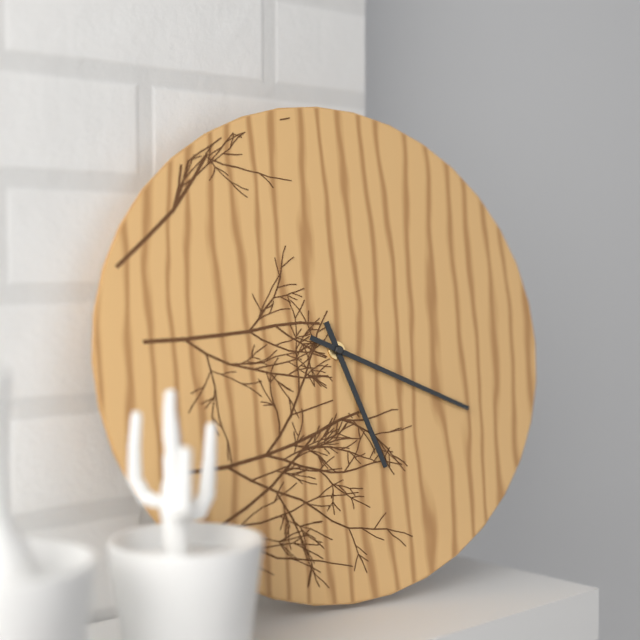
5:19
